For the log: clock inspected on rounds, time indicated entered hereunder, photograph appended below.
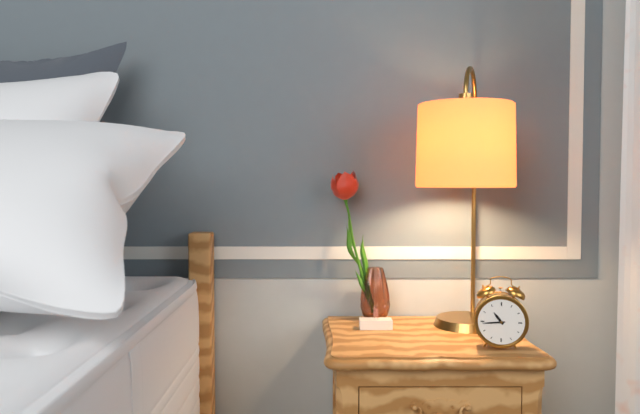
10:44
